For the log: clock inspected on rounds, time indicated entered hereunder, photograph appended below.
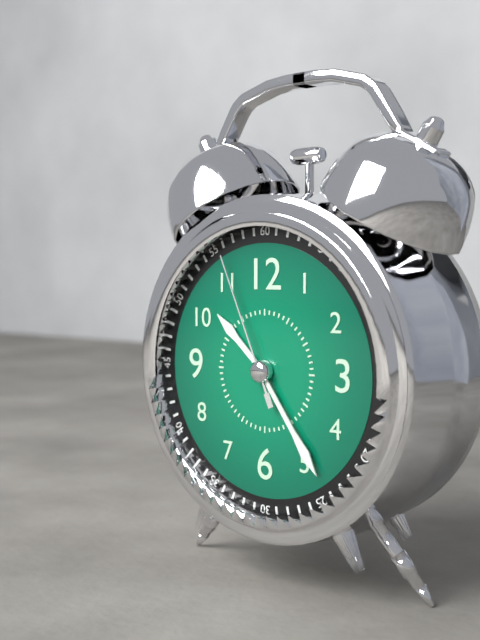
10:24:56
